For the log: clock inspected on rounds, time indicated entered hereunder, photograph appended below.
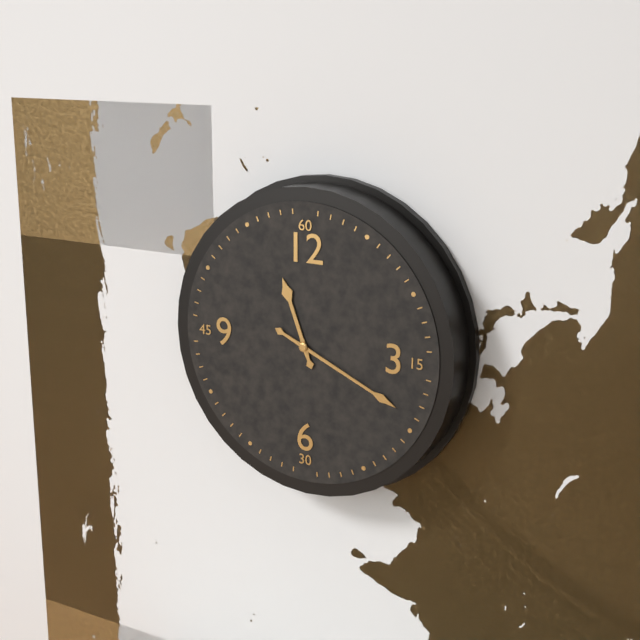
11:19
